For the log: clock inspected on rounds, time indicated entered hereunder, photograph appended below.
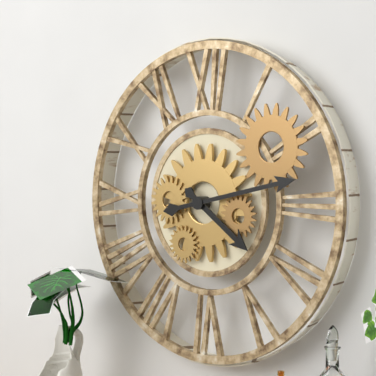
4:13
